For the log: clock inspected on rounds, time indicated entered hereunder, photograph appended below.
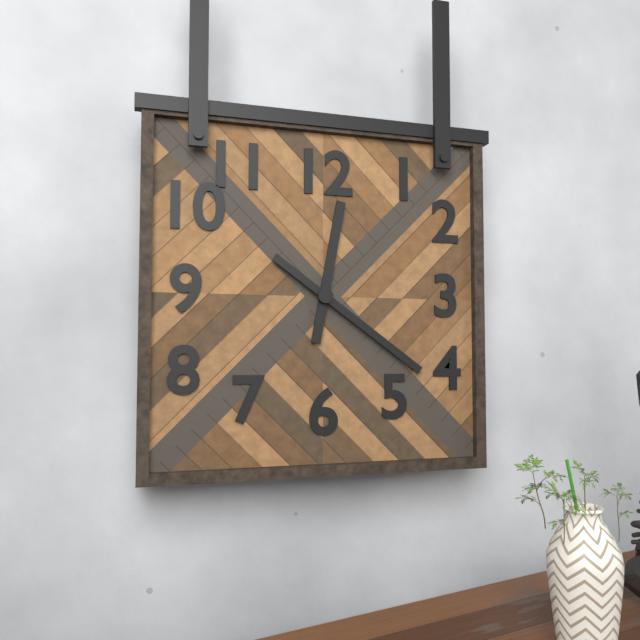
12:21
